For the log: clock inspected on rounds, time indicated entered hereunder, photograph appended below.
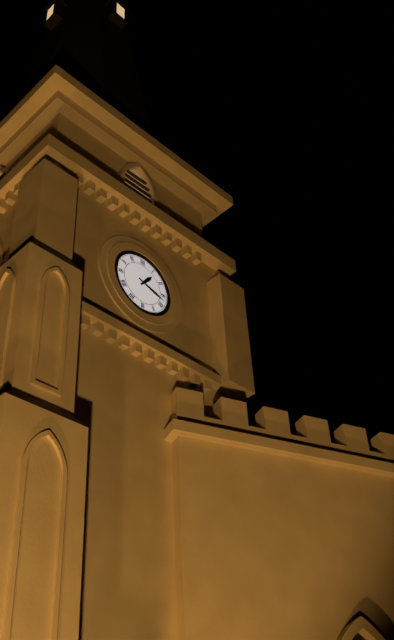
1:18
